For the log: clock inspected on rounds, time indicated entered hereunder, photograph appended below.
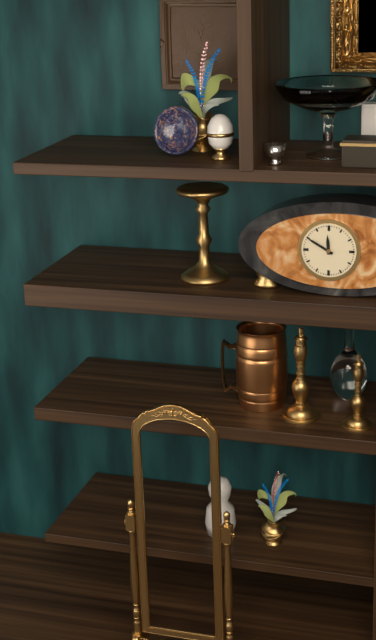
11:50
